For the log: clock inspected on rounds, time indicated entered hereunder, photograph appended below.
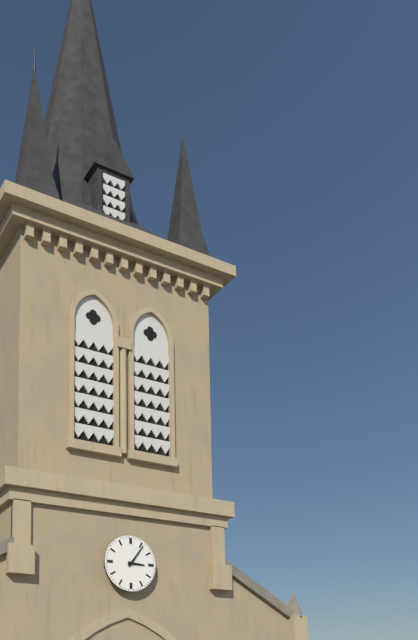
3:06
